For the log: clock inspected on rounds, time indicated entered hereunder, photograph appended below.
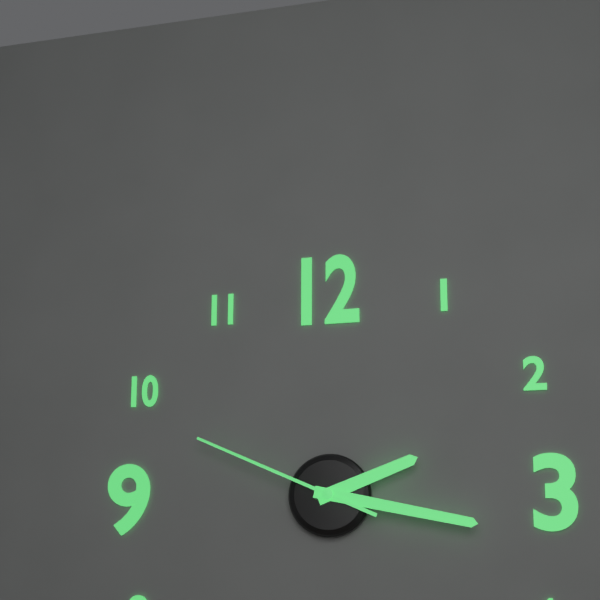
2:17:49
